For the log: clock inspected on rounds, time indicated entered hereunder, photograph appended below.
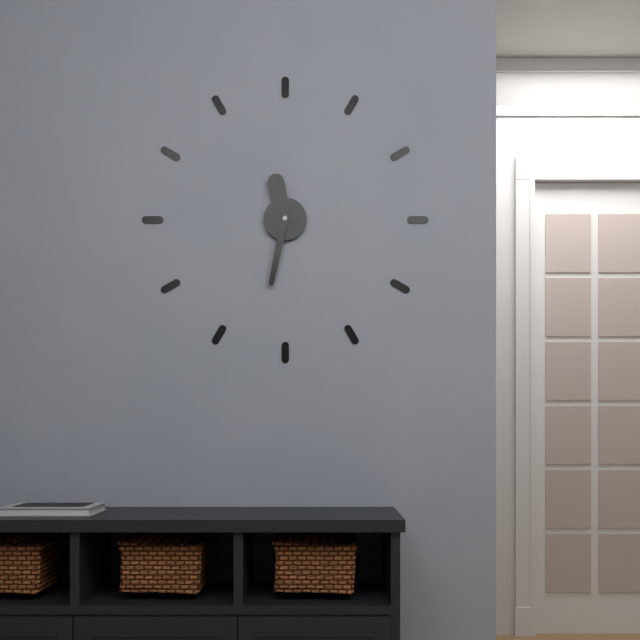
11:32
